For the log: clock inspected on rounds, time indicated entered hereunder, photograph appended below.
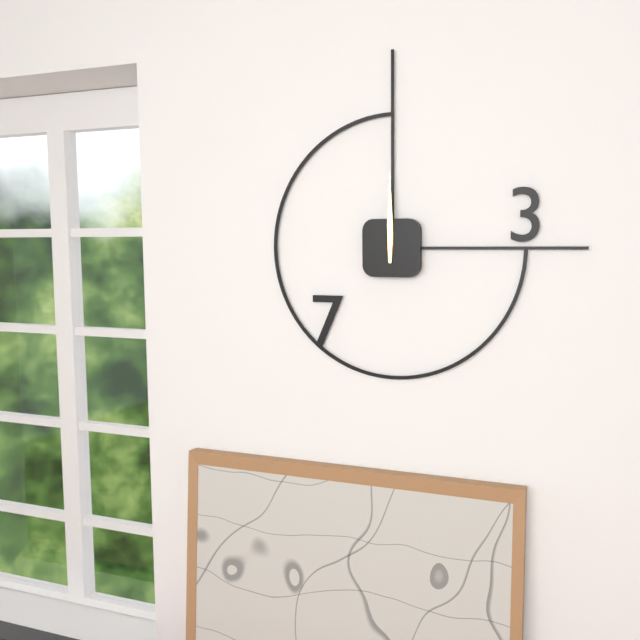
12:00
